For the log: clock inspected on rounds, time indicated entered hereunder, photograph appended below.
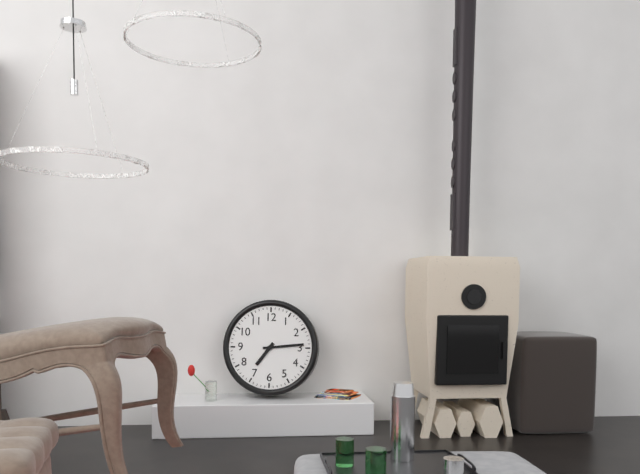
7:14
